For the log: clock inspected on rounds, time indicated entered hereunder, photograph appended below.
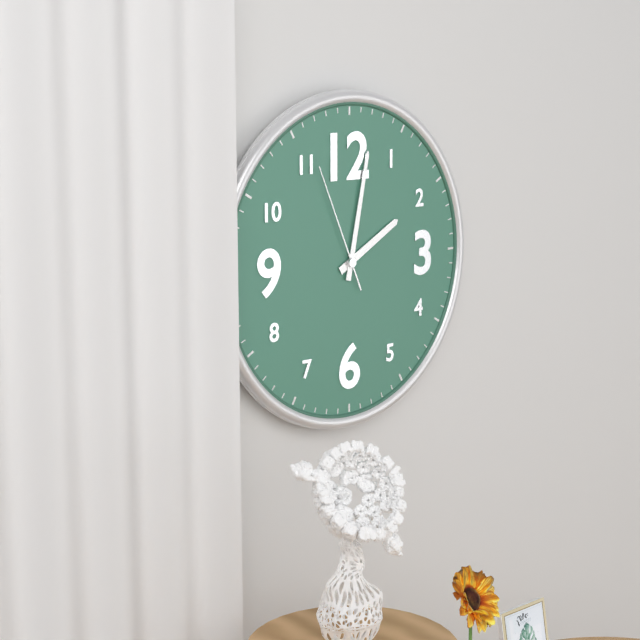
2:02:56
